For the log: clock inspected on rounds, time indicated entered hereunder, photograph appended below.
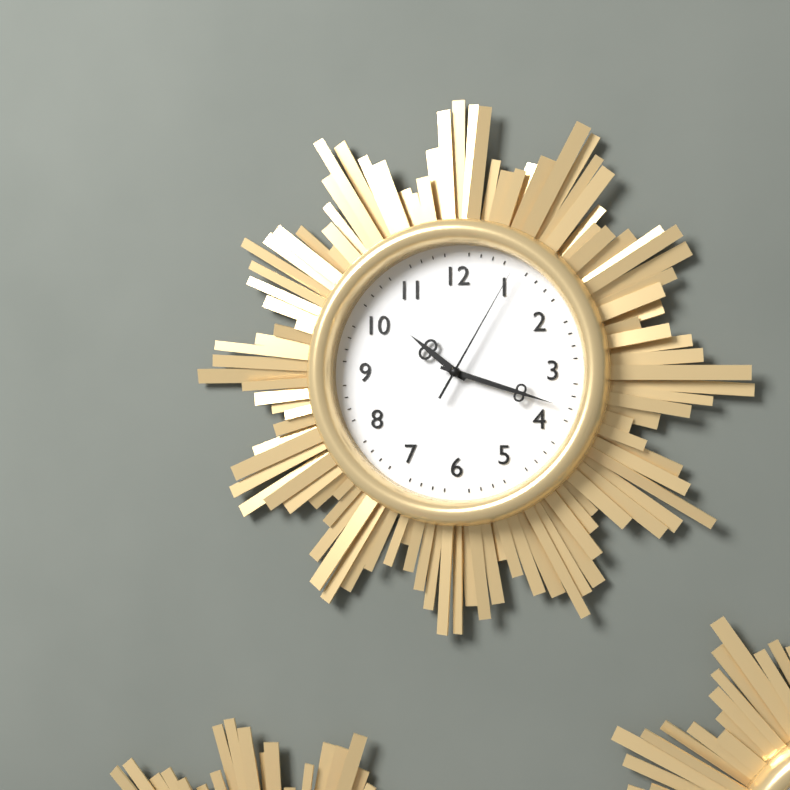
10:18:05
